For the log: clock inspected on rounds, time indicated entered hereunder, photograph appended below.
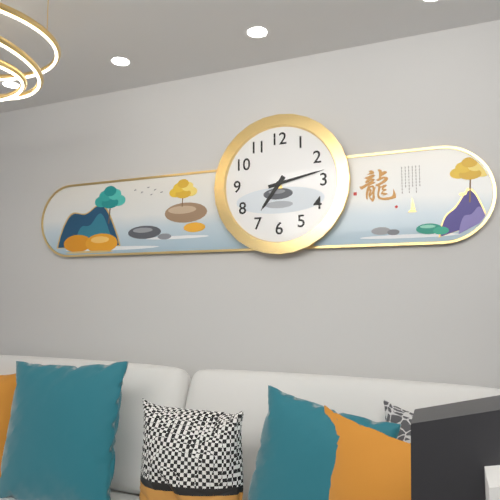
7:13
